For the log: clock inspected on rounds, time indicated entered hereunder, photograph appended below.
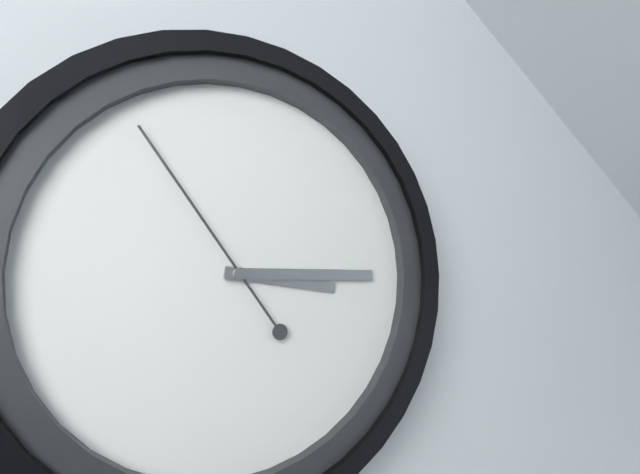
3:15:54
